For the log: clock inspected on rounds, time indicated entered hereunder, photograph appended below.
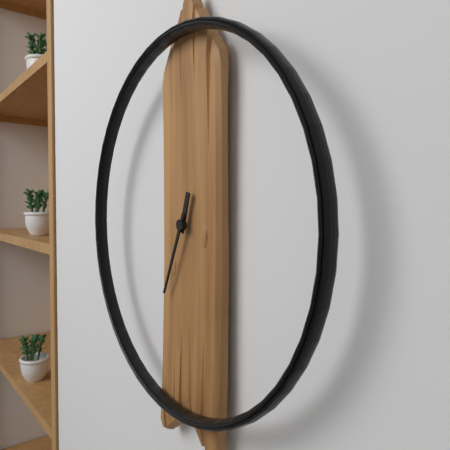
12:34
